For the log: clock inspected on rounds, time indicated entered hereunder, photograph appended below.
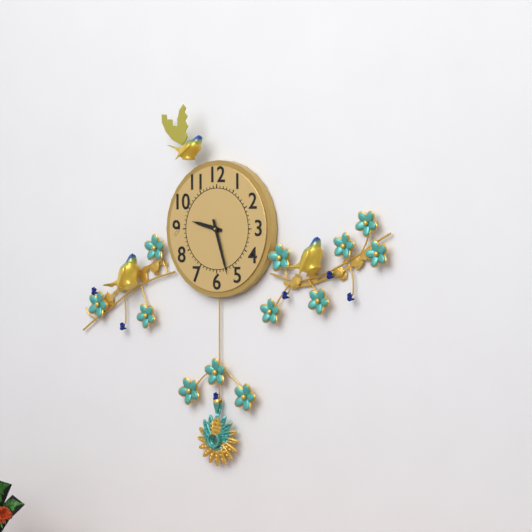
9:27
